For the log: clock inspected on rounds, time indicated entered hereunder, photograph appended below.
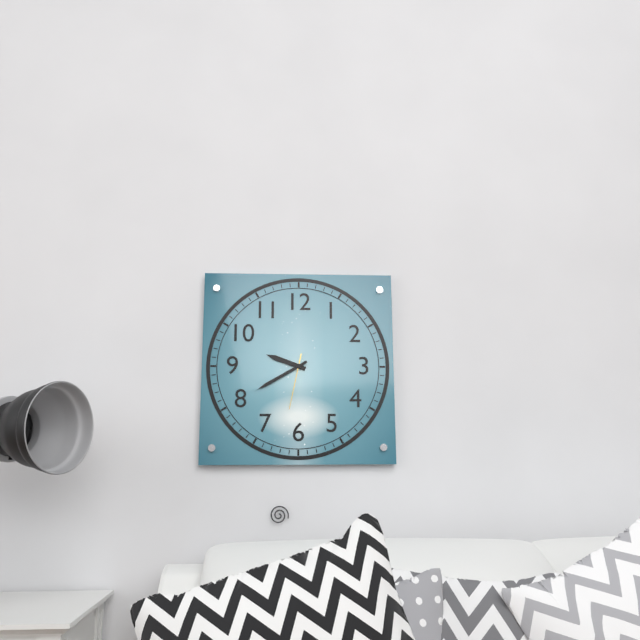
9:40:32
